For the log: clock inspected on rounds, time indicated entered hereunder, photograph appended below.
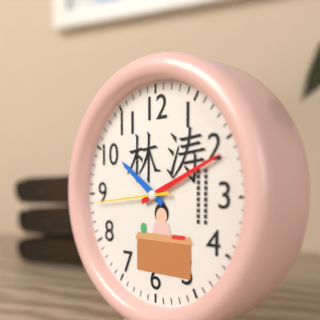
10:11:44
